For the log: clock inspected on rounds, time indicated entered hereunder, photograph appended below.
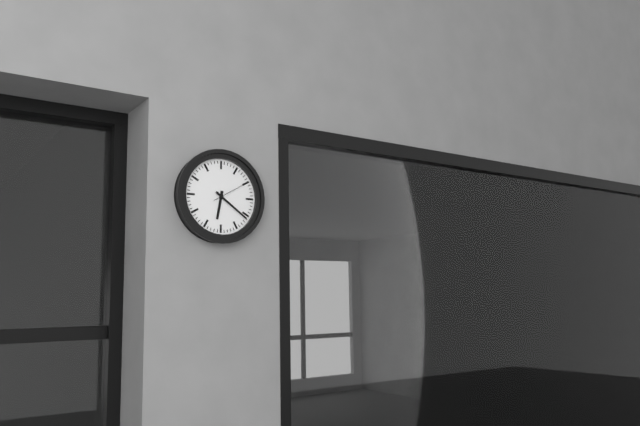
6:21
